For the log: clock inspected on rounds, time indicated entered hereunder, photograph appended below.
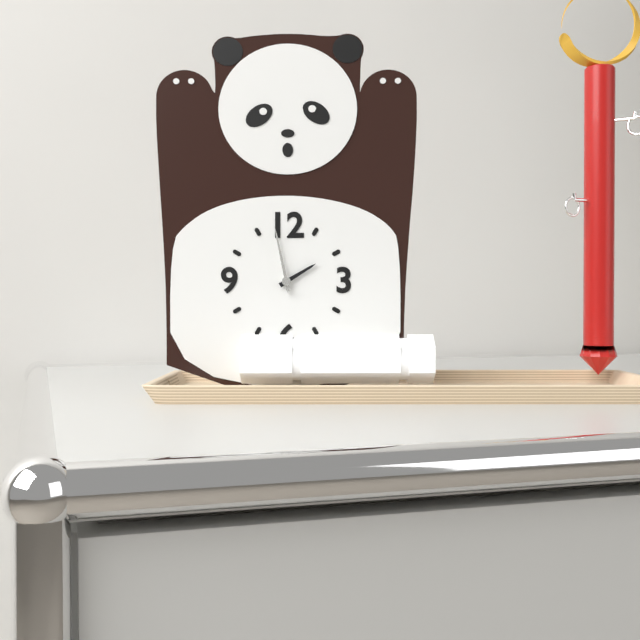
1:58
